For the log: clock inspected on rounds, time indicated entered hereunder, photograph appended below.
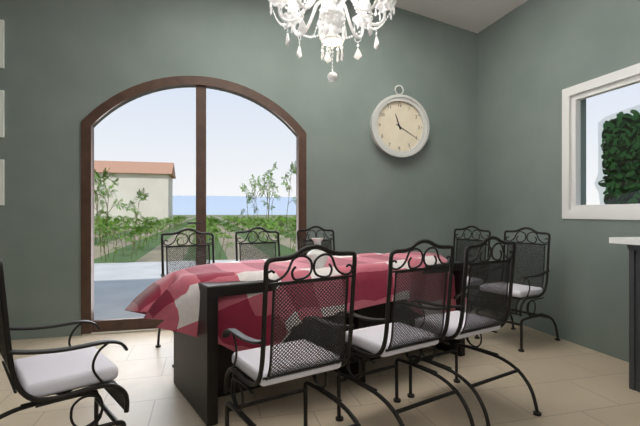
11:20
